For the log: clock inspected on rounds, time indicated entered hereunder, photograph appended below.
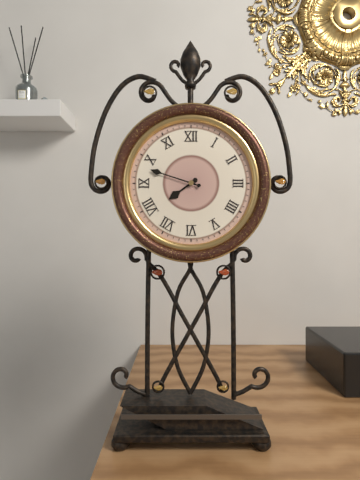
7:48
